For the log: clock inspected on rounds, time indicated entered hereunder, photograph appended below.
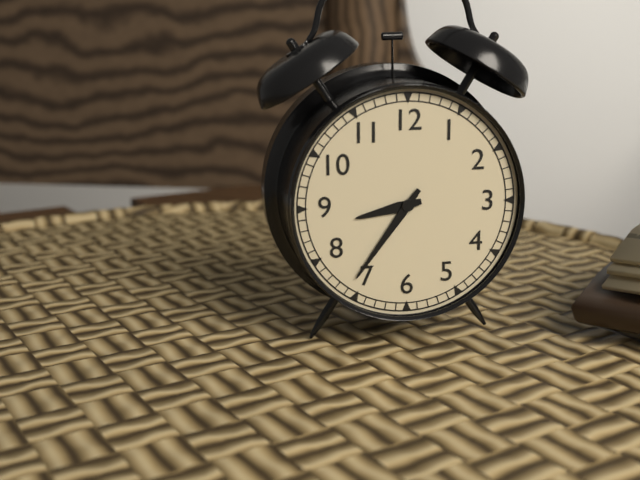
8:36
